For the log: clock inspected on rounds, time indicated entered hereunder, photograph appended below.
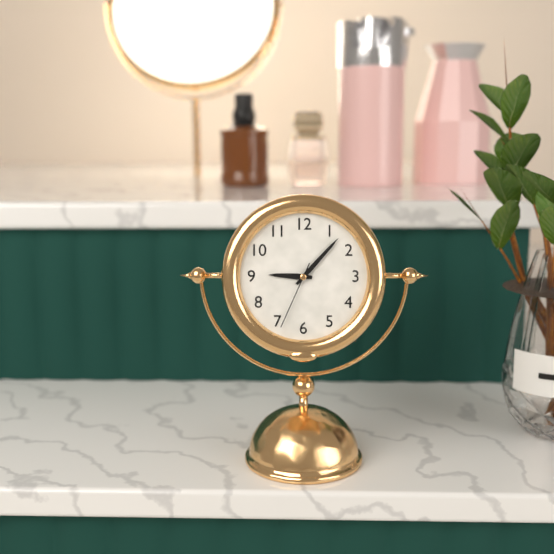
9:07:34
